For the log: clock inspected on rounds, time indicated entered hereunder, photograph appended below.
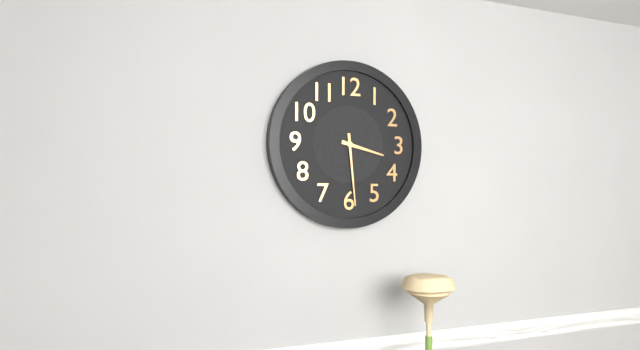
3:29
